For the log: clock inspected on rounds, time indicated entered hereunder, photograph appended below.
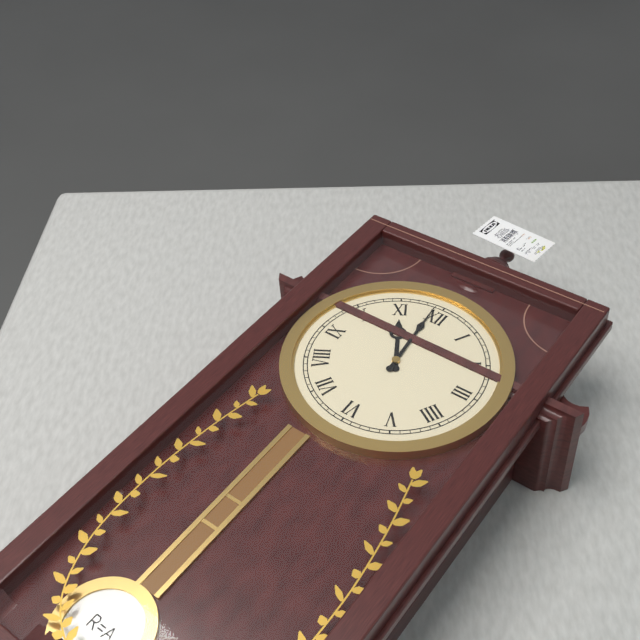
10:59
